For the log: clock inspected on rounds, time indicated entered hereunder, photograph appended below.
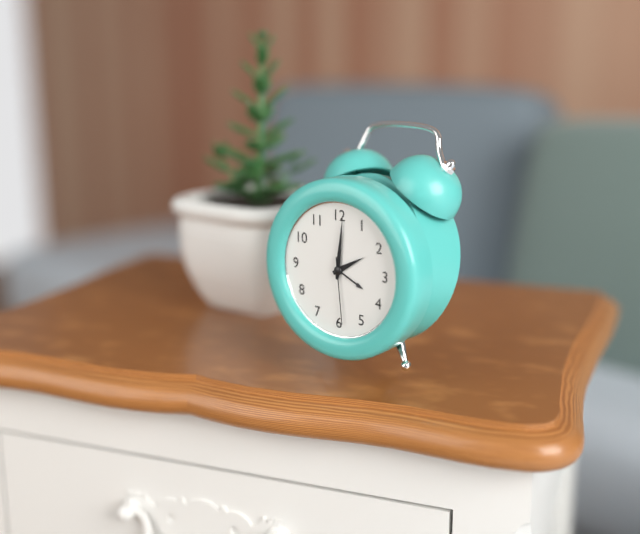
2:01:29
